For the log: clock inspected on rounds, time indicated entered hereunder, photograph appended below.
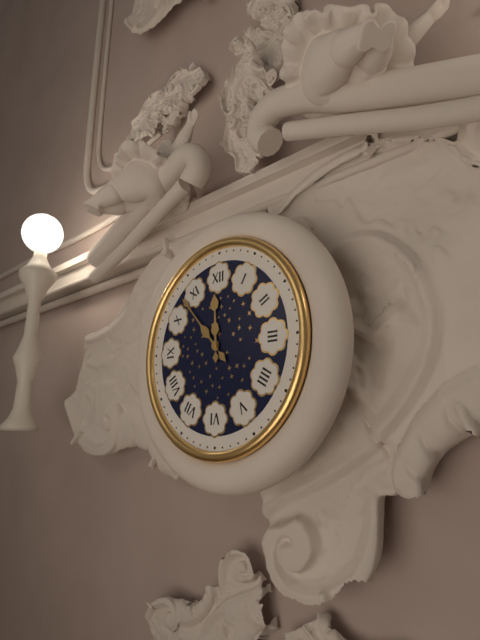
11:53
